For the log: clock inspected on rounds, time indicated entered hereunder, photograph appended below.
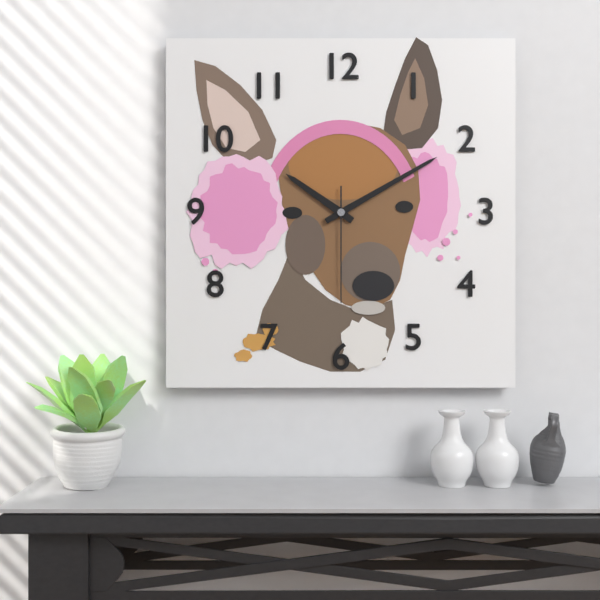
10:10:30
